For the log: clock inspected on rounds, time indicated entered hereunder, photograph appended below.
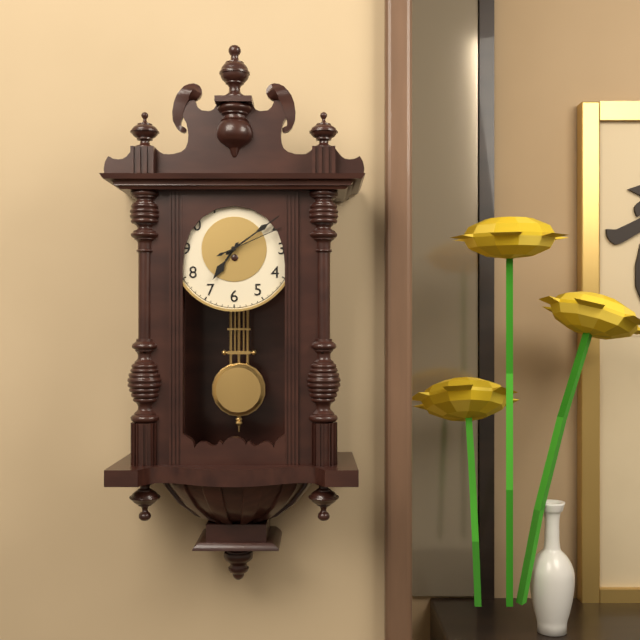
7:09:11
